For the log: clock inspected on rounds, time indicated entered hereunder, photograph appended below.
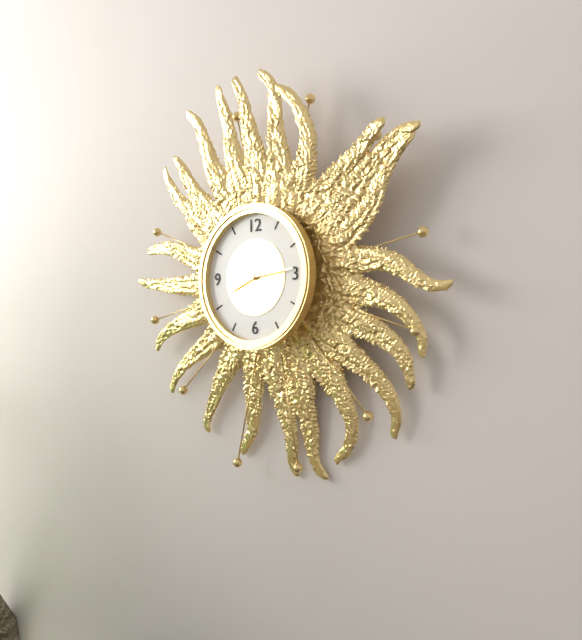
8:14
